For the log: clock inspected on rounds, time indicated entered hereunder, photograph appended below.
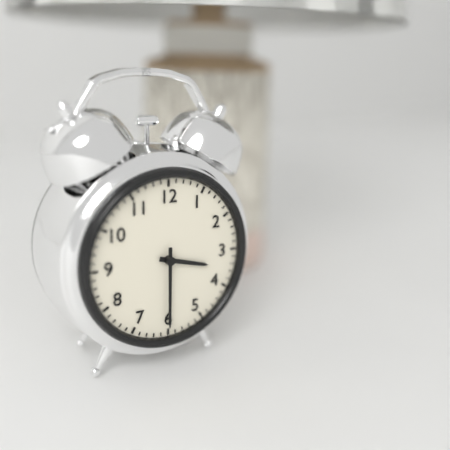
3:30
